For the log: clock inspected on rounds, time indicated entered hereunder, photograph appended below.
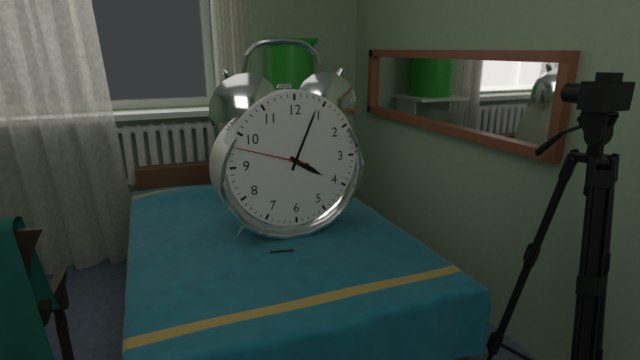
4:04:48
